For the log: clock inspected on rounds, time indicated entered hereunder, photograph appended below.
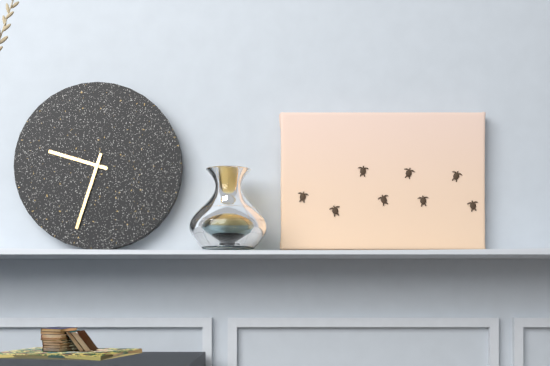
9:33
